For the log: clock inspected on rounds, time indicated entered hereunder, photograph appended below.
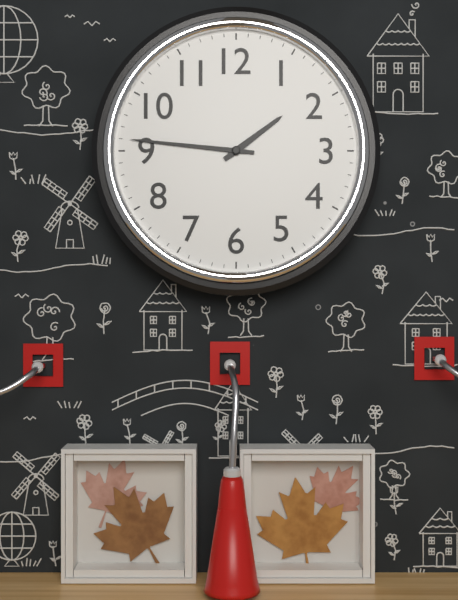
1:46
